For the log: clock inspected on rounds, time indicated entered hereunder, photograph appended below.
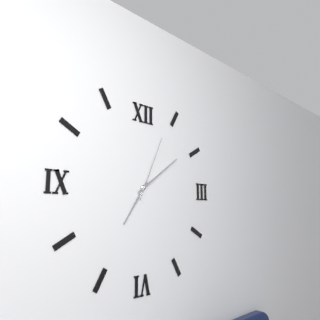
7:09:04
